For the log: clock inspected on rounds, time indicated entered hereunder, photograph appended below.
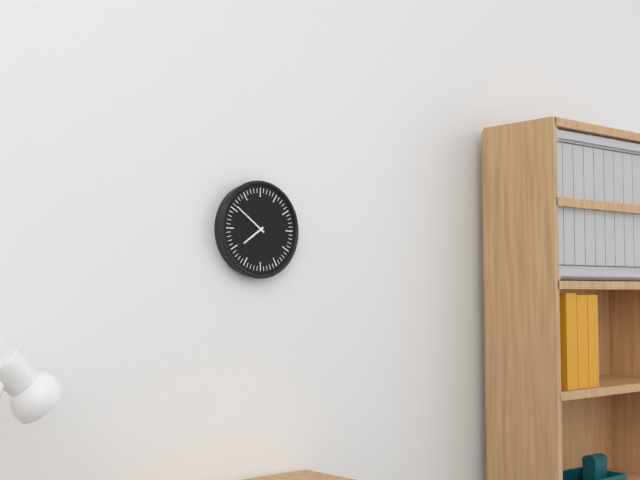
7:51
